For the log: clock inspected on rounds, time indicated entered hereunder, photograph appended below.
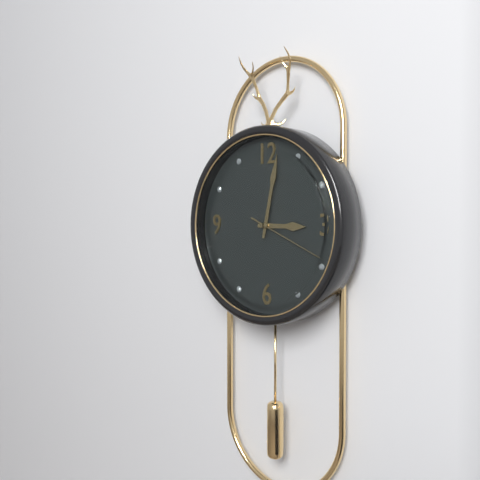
3:02:19
